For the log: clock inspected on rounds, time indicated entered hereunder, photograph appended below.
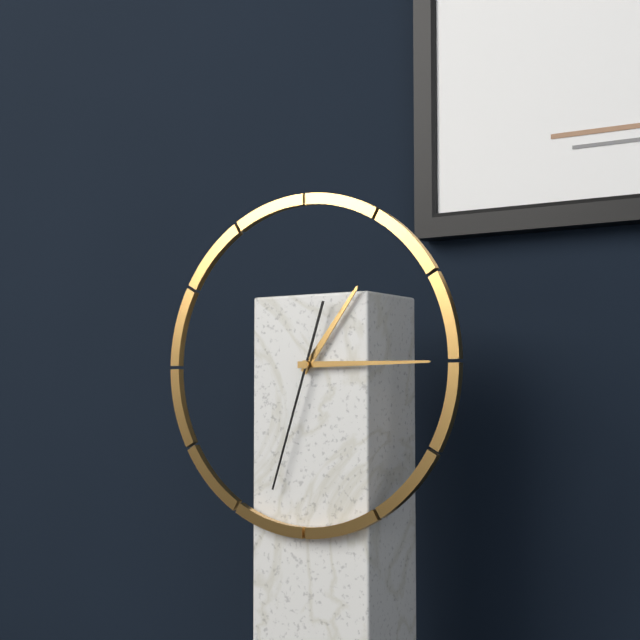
1:15:33
